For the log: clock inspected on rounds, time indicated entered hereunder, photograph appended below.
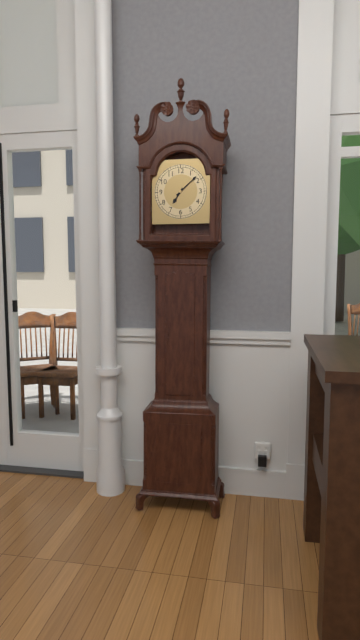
7:08
